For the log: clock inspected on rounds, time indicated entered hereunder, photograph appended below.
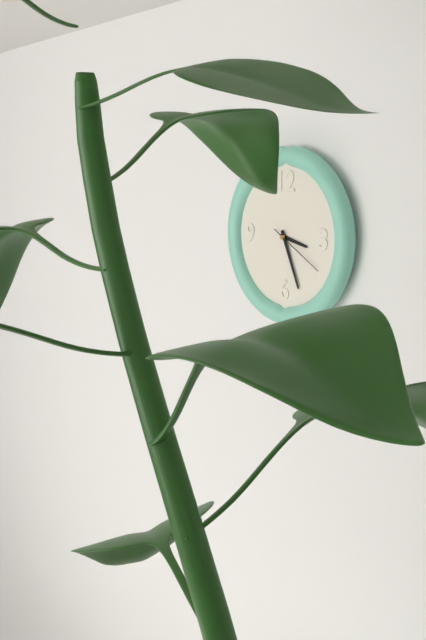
3:26:20
